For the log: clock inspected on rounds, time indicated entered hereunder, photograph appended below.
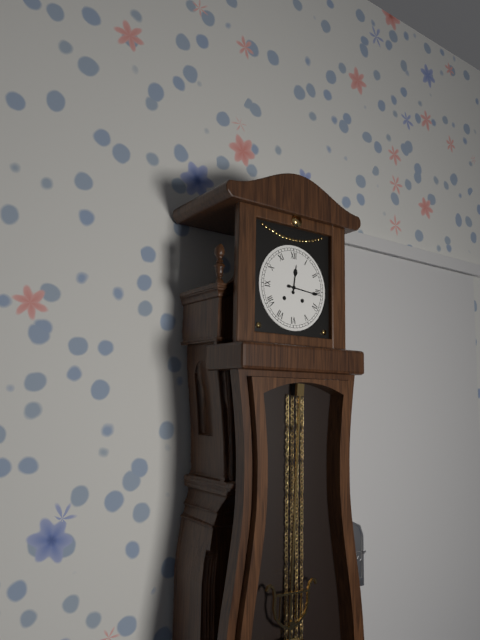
12:16
